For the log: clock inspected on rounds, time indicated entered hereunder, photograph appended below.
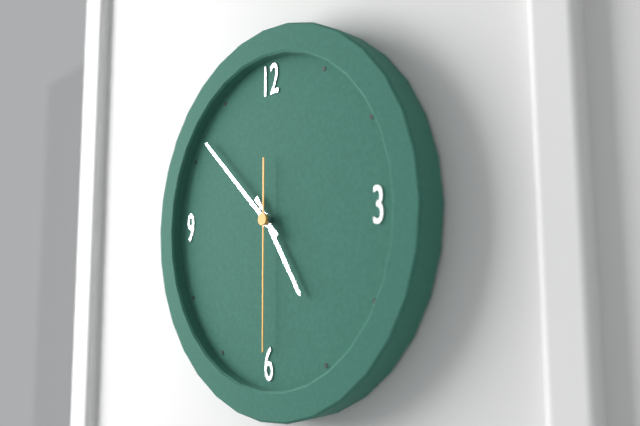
4:52:30
